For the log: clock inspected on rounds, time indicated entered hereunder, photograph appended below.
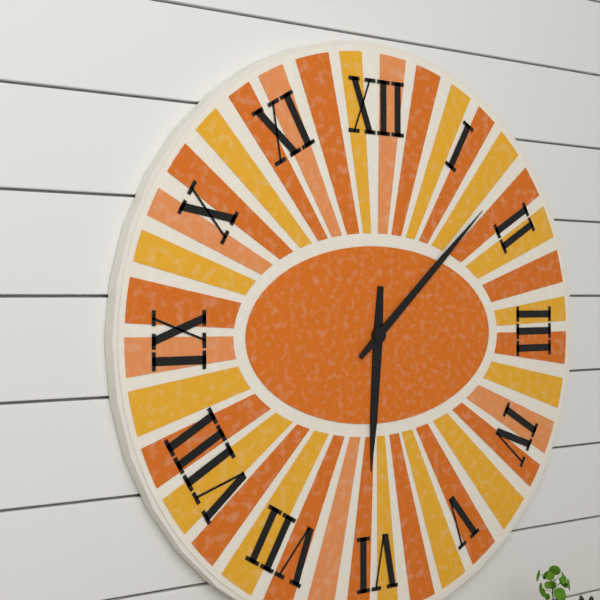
6:08
